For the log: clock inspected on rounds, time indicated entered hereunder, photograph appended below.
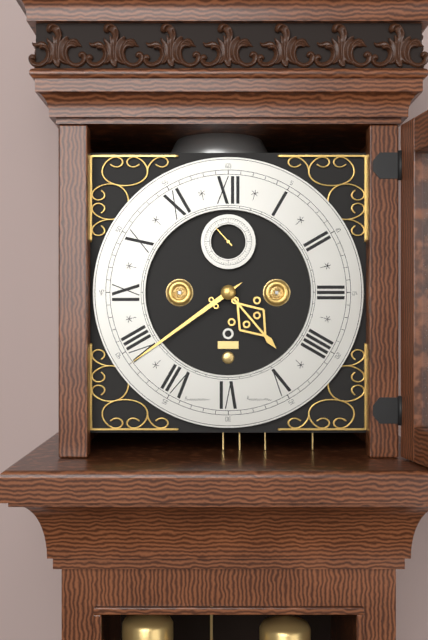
4:39
